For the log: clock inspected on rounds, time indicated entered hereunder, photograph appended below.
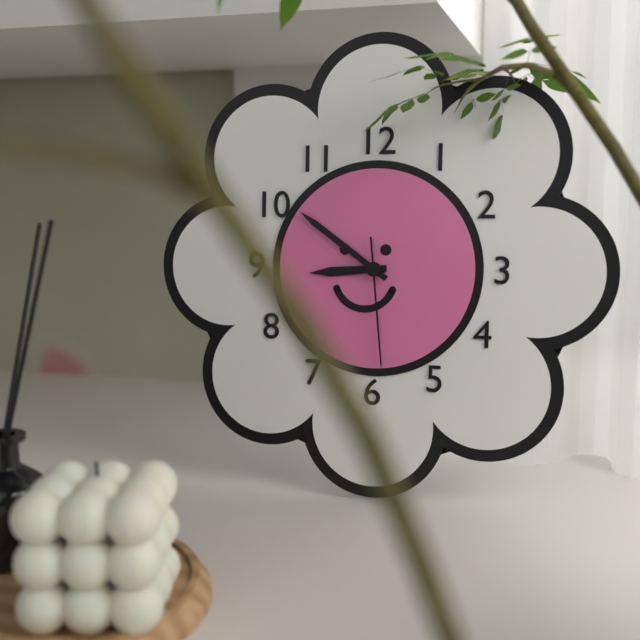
8:51:29
